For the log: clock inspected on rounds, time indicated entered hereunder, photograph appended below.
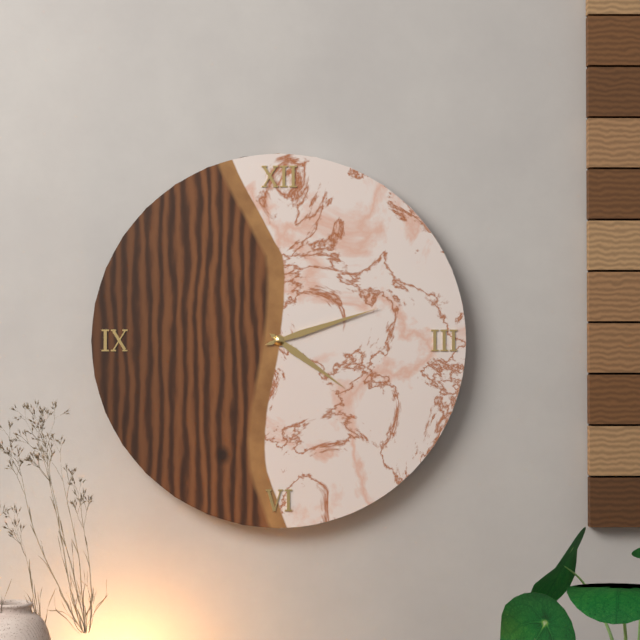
4:12
